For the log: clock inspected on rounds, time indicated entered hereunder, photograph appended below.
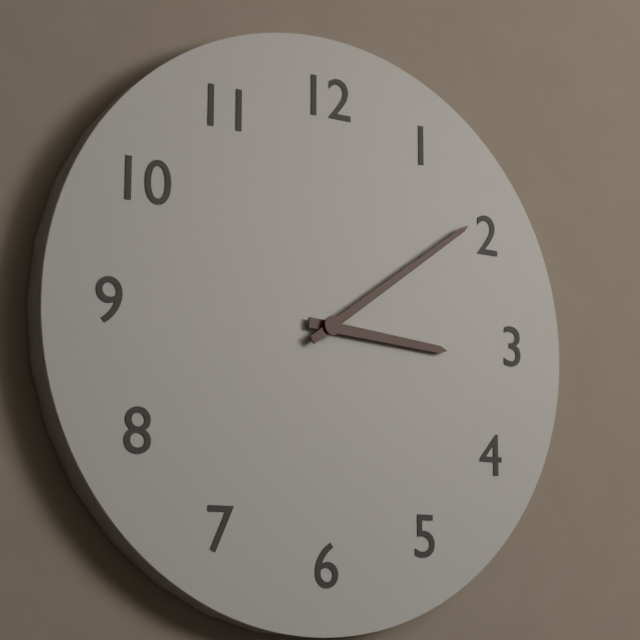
3:09
